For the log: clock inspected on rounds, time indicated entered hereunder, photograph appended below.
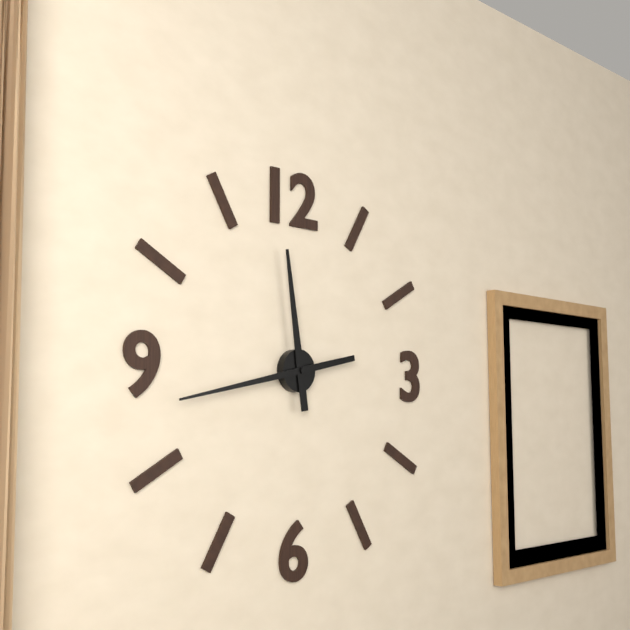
11:43
